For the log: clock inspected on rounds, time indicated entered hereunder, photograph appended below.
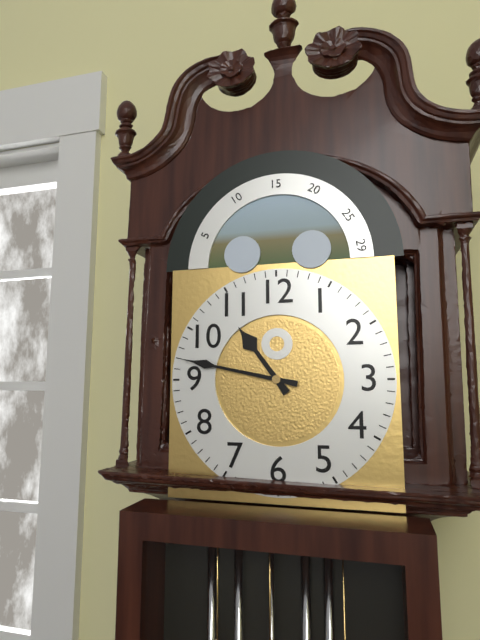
10:47
